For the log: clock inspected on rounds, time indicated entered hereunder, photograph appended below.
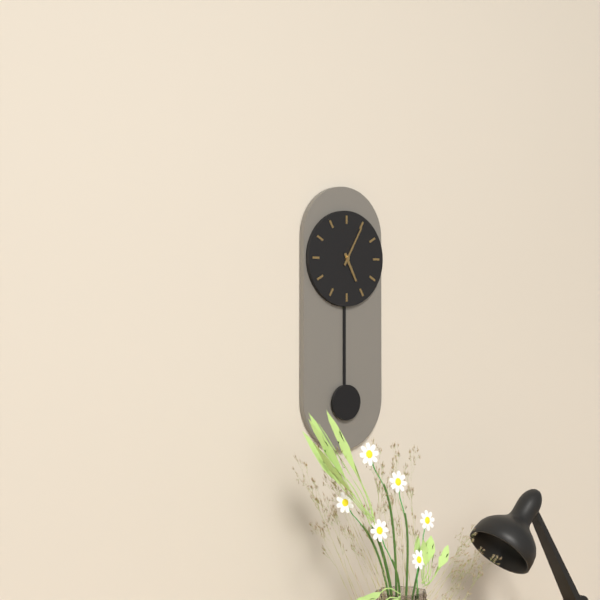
5:05
